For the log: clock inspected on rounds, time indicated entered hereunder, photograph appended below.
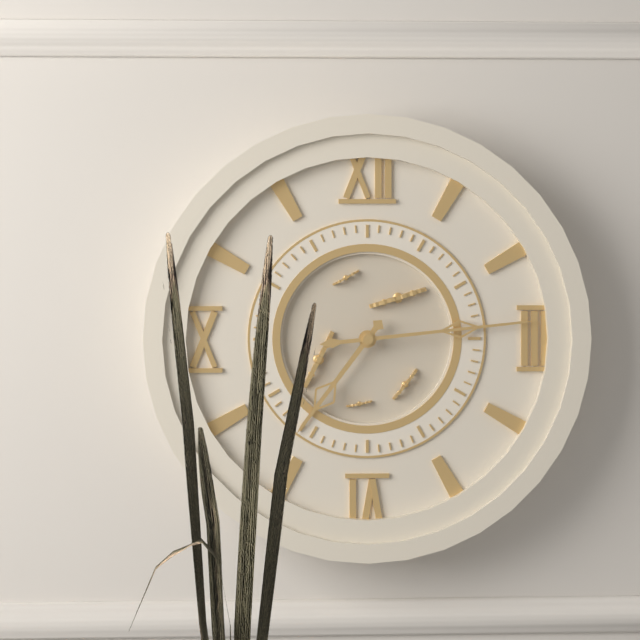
7:14
